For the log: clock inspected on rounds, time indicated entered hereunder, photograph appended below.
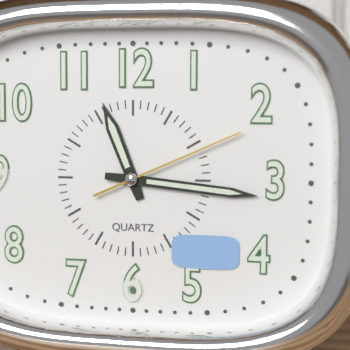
11:16:11
